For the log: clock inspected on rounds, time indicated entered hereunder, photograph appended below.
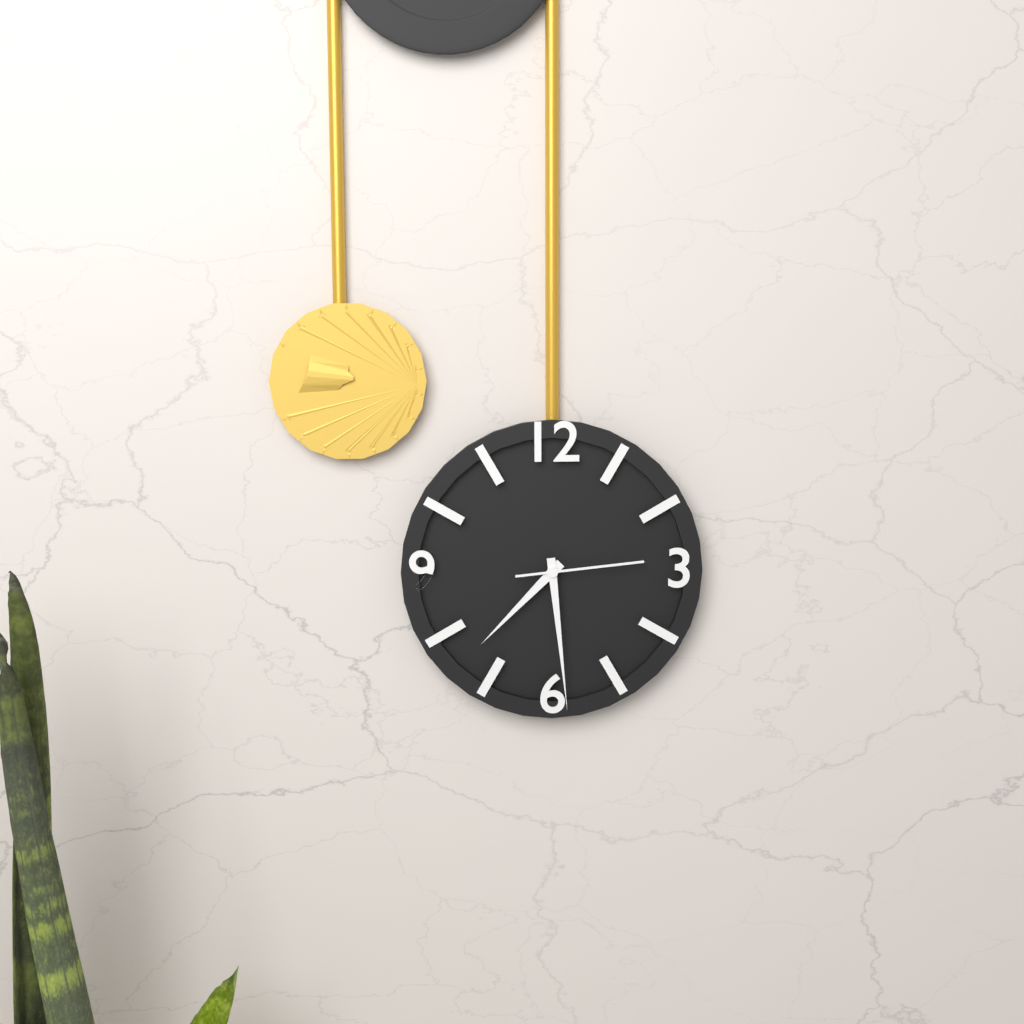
7:29:14
